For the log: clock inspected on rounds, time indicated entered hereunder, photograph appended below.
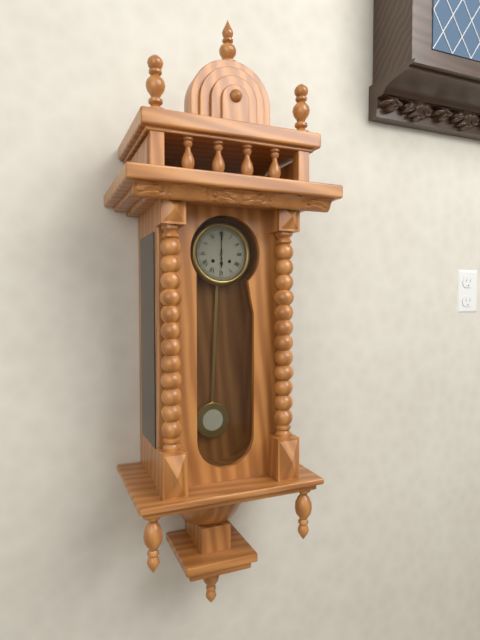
6:00
